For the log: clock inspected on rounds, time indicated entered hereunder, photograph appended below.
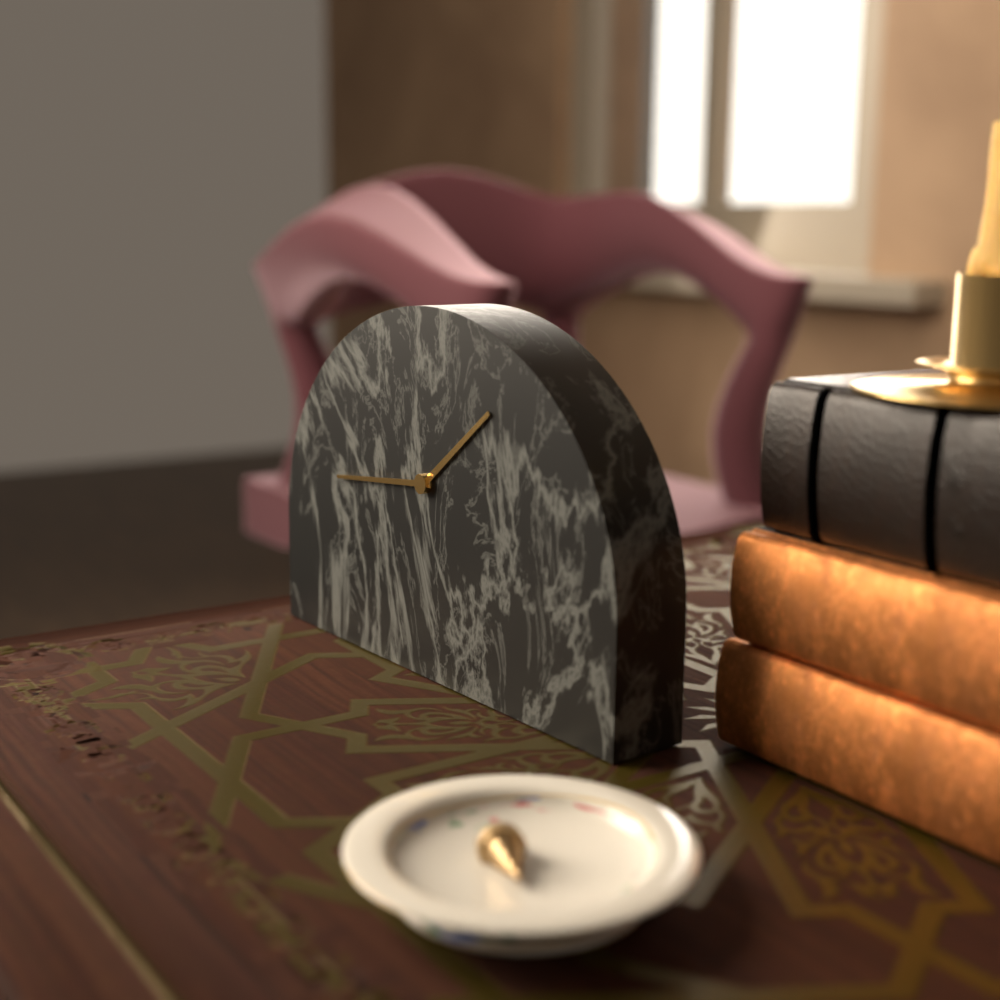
1:44
